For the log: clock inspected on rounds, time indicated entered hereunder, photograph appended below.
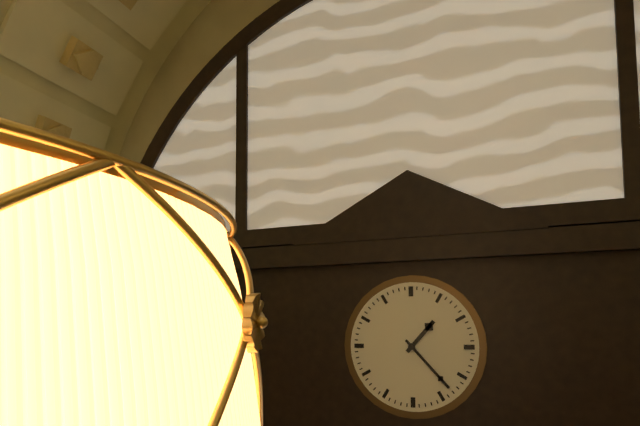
1:23
